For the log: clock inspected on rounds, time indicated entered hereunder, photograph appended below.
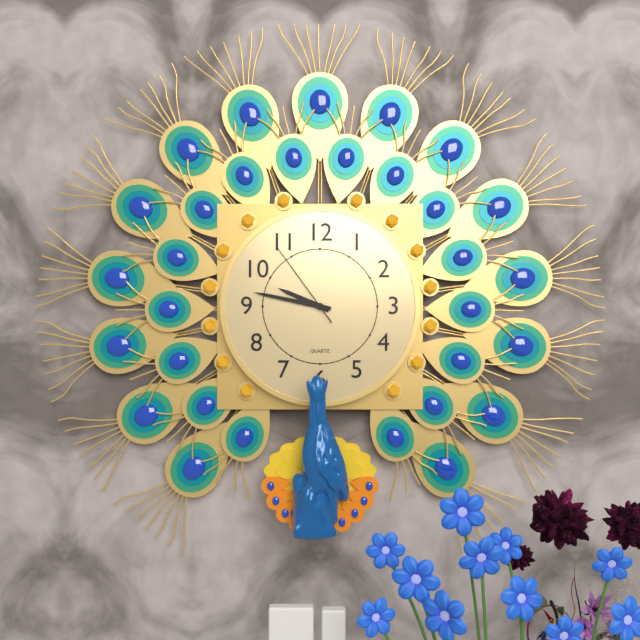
9:47:54
